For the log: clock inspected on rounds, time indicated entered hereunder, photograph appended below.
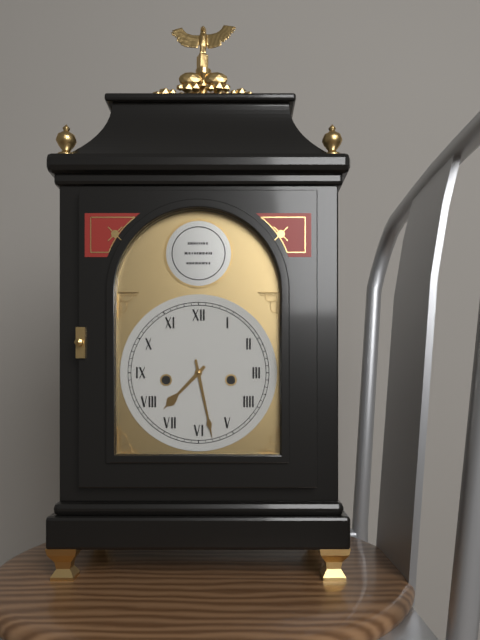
7:28
